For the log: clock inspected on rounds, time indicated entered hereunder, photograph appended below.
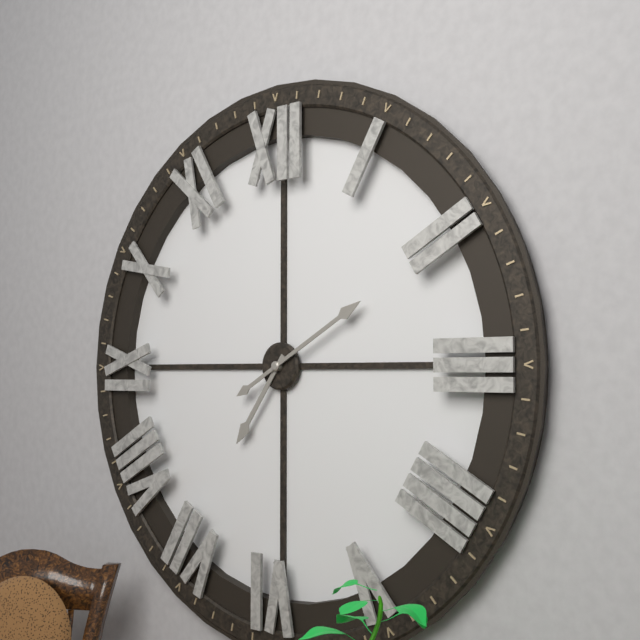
7:10
